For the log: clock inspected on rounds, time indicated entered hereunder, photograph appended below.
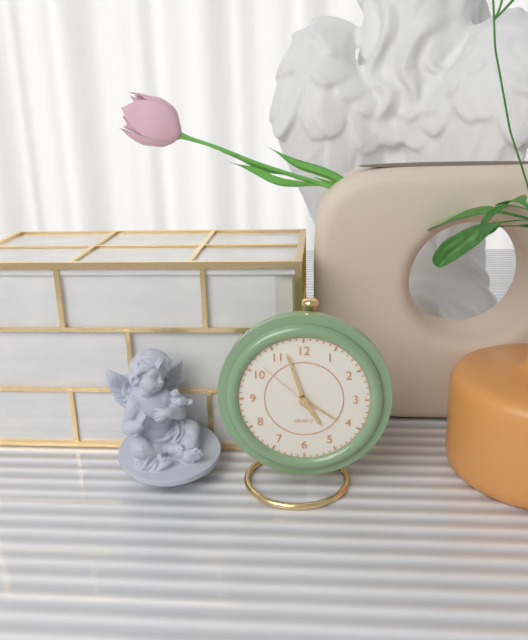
4:57:52
